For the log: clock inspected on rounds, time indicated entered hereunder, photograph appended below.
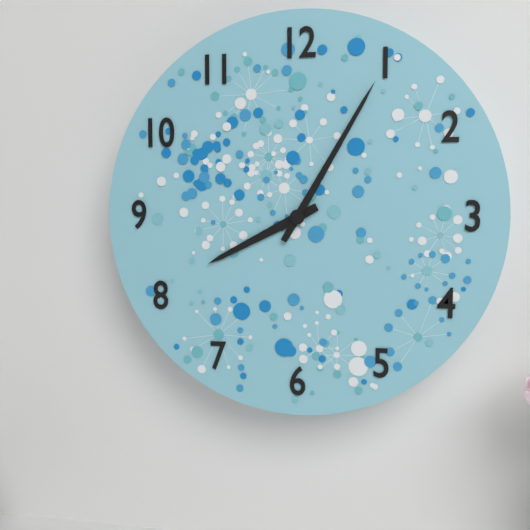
8:05
